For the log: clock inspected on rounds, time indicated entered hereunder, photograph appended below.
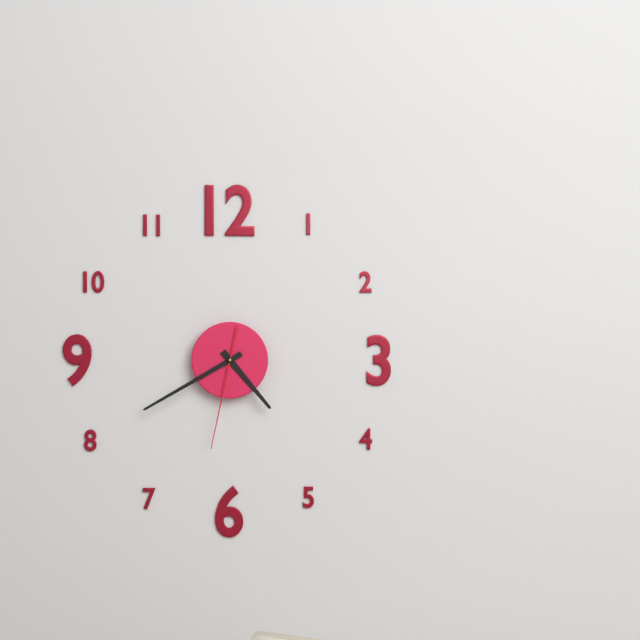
4:40:32
